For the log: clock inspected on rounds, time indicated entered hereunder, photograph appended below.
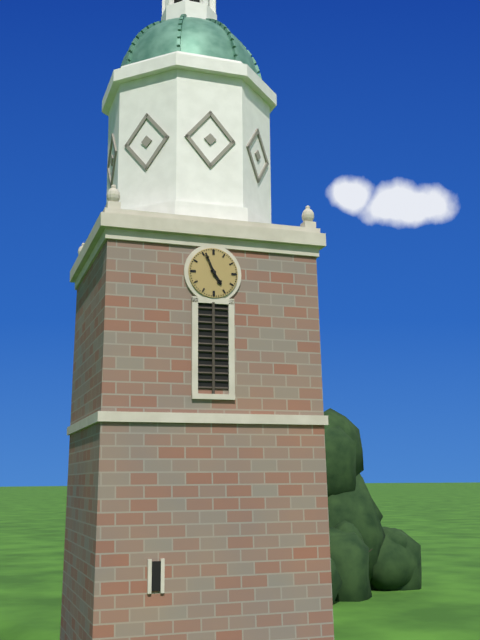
4:56
